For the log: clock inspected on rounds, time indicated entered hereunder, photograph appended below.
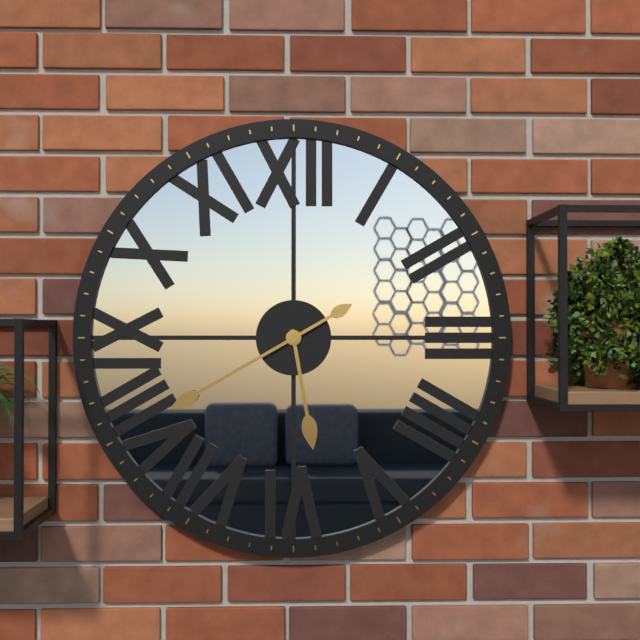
5:40
